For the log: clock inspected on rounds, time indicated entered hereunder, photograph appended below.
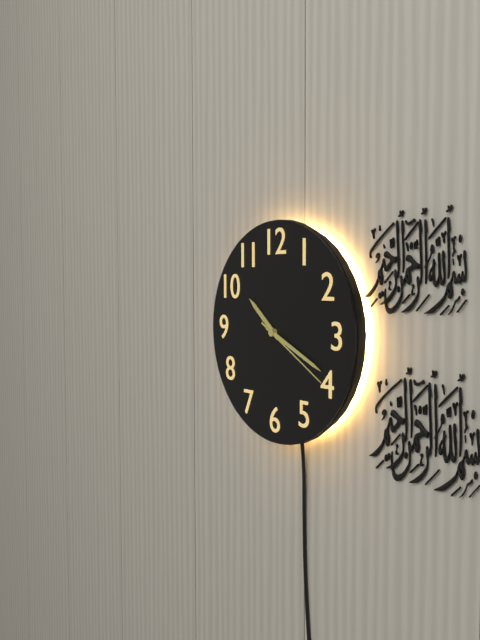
10:19:20
